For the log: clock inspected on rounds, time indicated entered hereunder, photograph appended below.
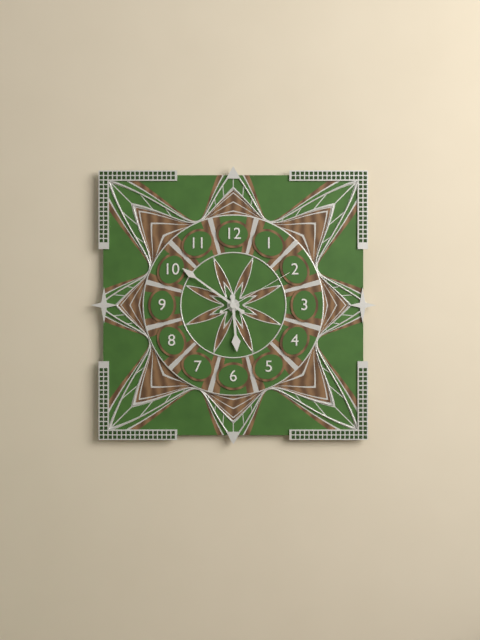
5:51:10
